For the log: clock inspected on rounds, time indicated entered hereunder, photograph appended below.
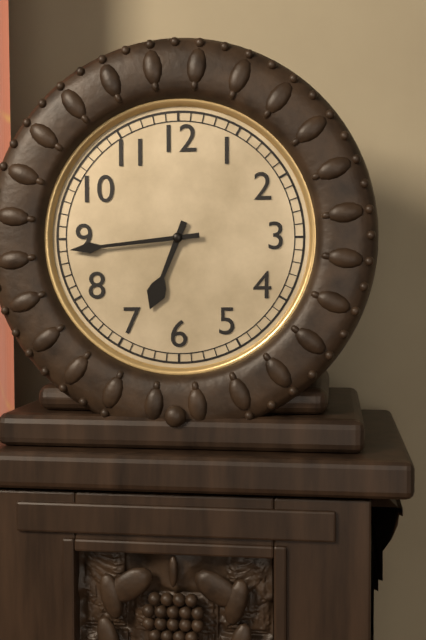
6:44
